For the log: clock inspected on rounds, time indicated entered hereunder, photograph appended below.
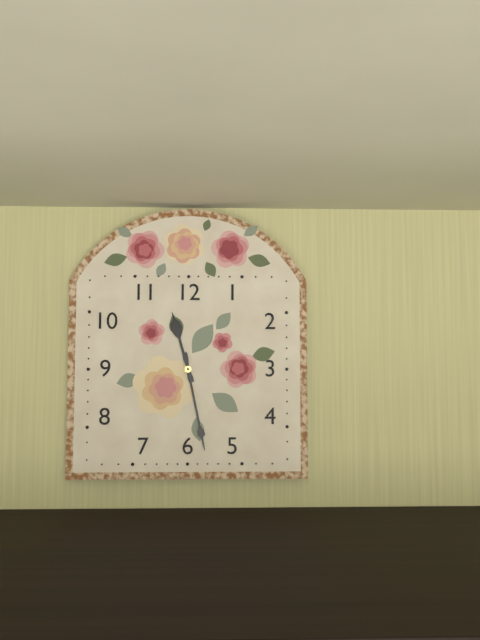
11:28
